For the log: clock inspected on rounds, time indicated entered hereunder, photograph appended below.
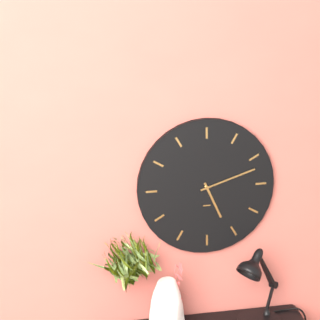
5:12
